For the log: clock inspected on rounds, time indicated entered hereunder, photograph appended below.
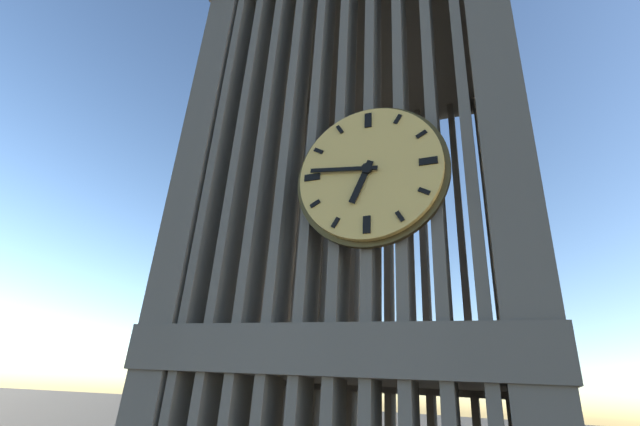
6:46
